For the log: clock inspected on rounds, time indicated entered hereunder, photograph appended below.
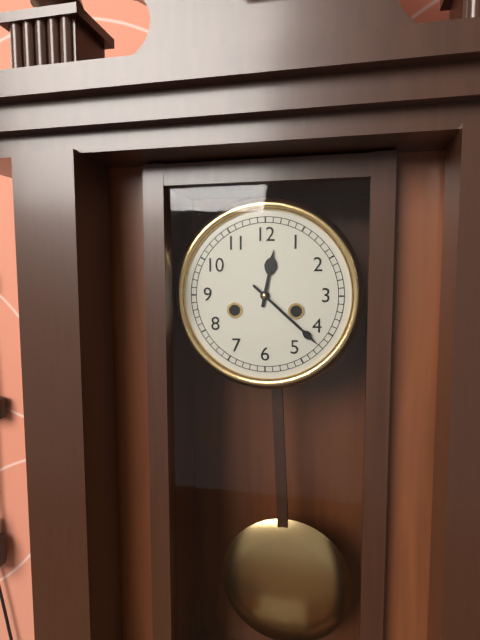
12:22
